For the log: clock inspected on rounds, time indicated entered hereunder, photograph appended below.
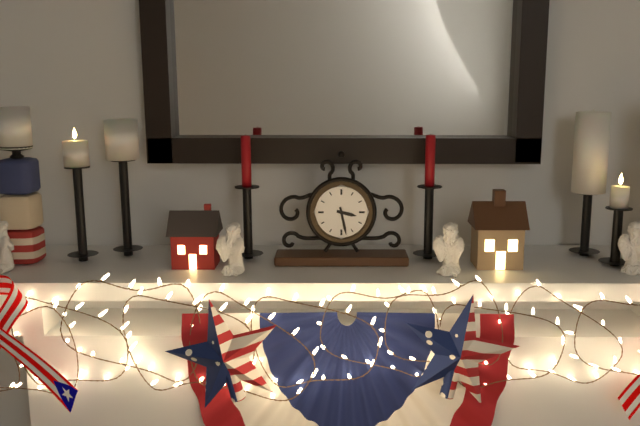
3:28
